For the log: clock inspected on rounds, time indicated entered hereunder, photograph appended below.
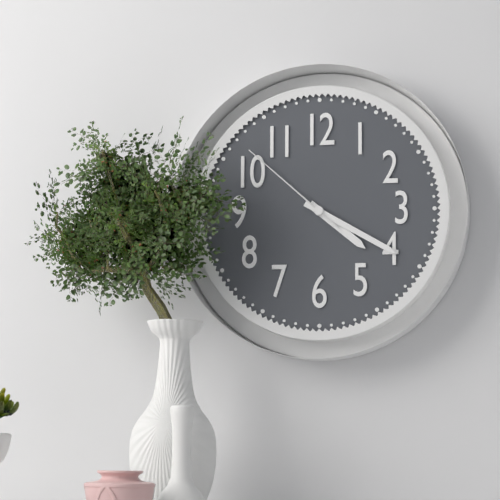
4:20:52
